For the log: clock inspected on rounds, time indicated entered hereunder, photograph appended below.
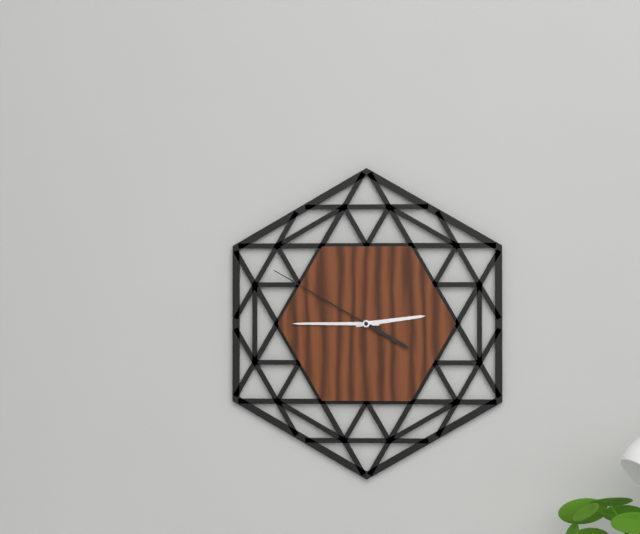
2:45:50
